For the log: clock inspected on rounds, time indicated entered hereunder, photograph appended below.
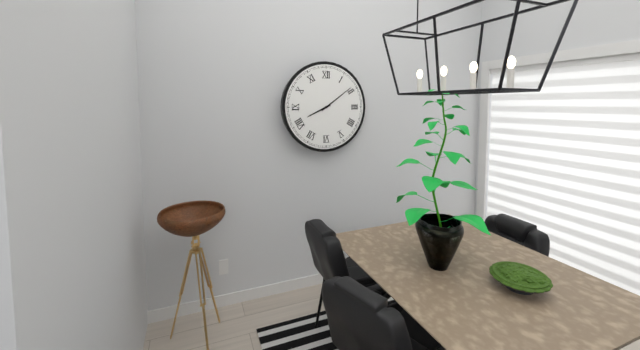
8:09
